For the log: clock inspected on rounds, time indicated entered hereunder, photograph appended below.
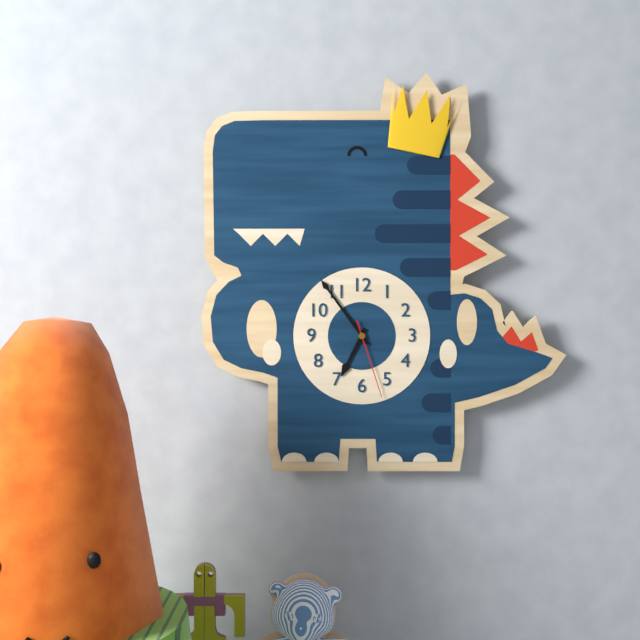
6:54:27
